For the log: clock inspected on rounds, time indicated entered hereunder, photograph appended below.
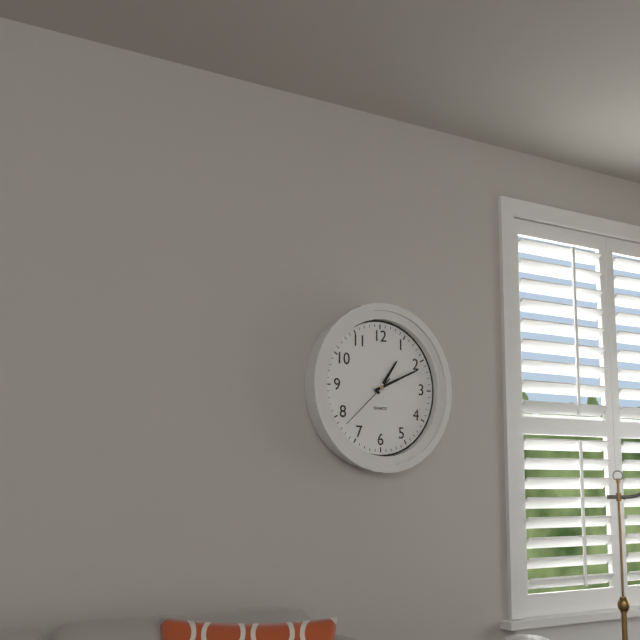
1:11:38
